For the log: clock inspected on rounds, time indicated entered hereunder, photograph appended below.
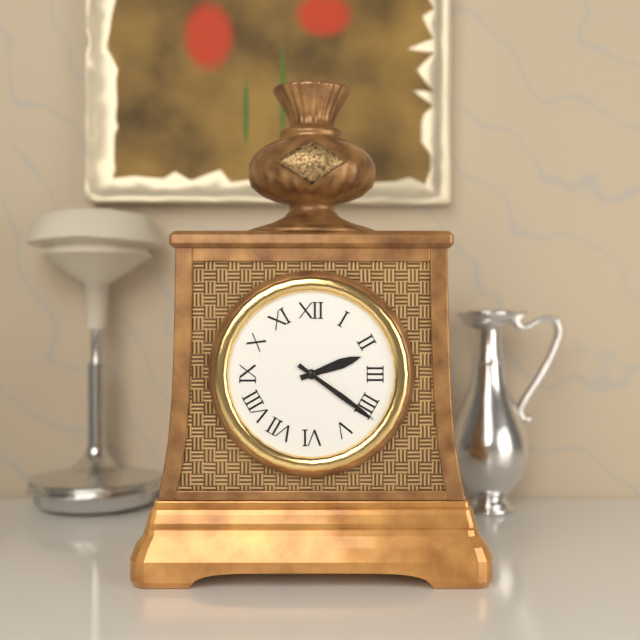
2:21
